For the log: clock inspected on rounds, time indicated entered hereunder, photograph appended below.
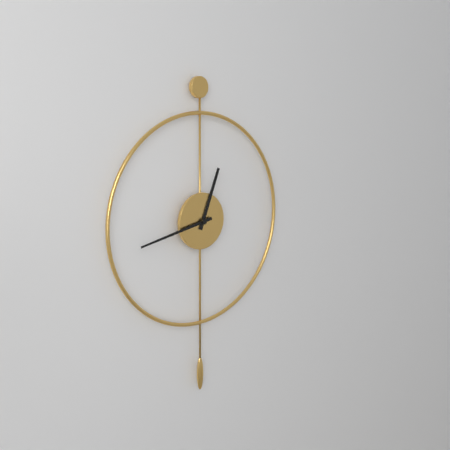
12:43
